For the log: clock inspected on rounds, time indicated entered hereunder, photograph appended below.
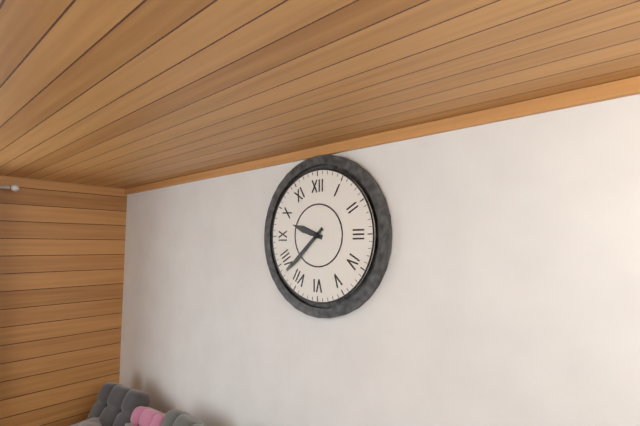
9:38
